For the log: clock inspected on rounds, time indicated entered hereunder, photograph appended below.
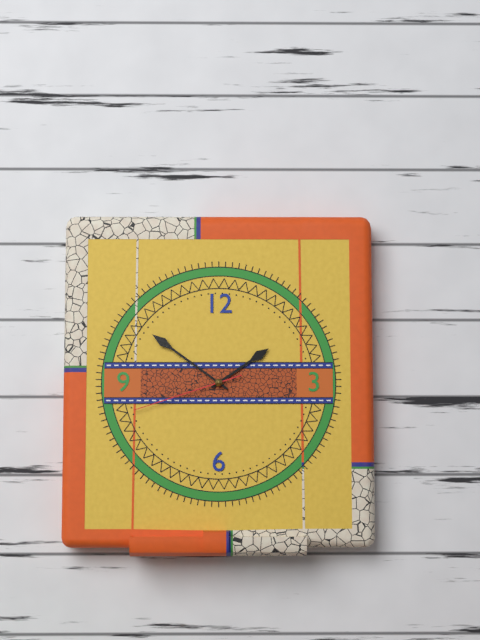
1:51:42
